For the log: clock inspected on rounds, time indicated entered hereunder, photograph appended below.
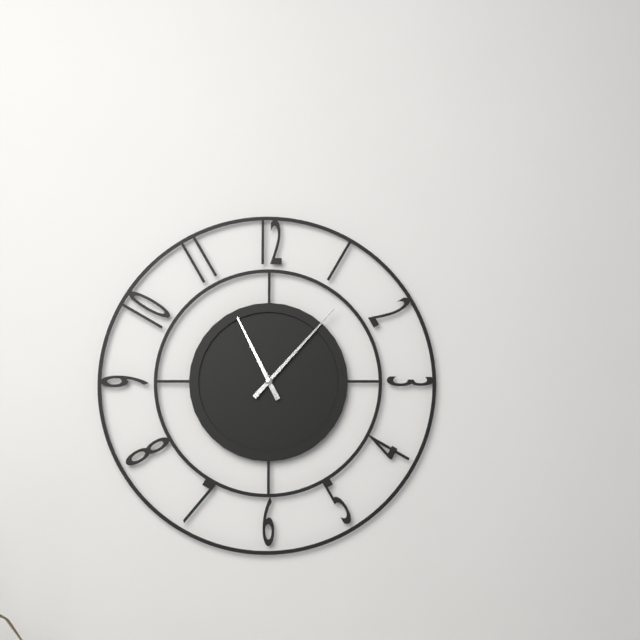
11:07
